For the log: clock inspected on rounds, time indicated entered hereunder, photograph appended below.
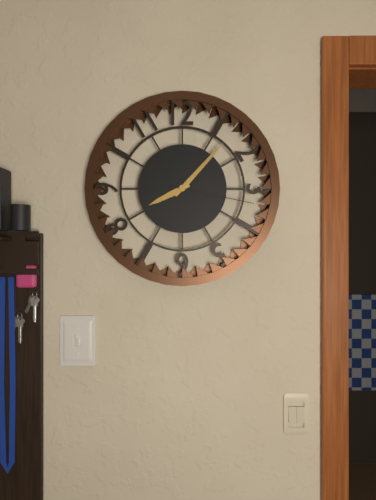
8:07:17
